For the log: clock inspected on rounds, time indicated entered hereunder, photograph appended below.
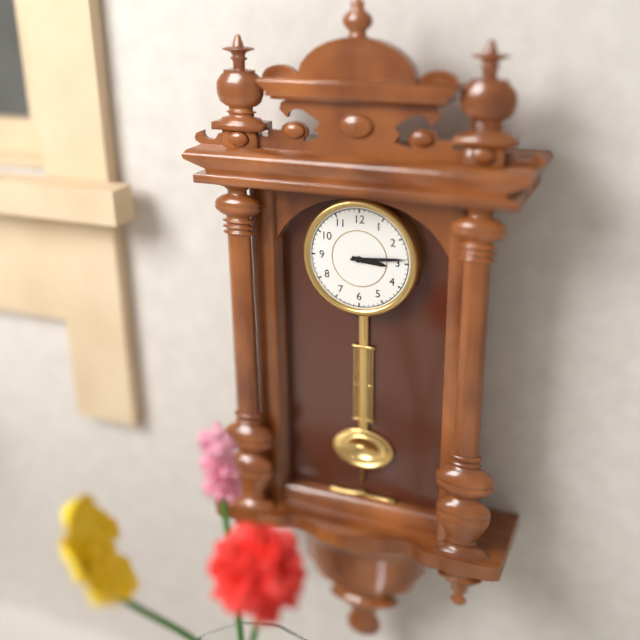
3:14
